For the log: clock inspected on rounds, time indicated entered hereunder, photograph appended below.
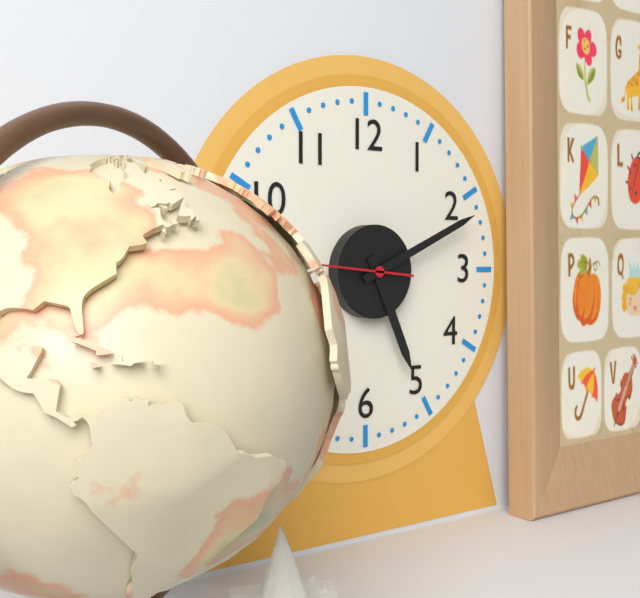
5:11
